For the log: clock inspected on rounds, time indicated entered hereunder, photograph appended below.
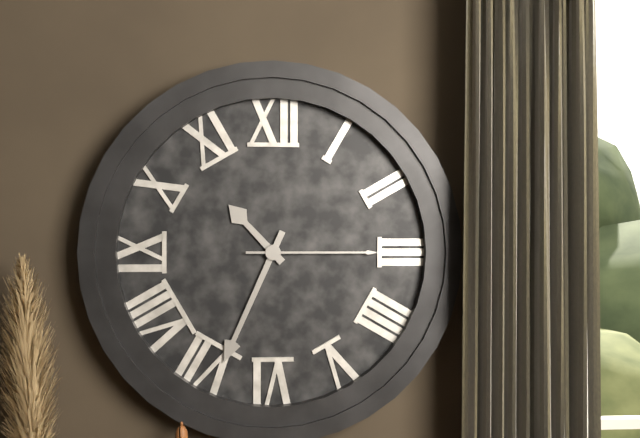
10:34:15
